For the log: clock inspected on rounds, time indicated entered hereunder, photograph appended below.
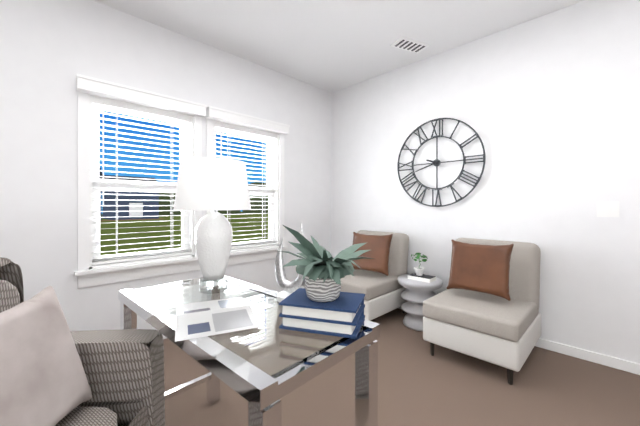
9:42
